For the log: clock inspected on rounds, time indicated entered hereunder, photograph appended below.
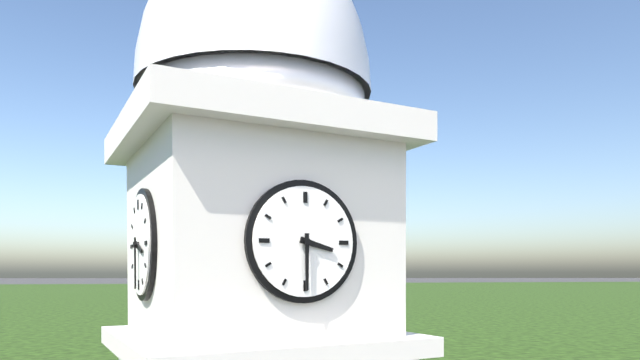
3:30
